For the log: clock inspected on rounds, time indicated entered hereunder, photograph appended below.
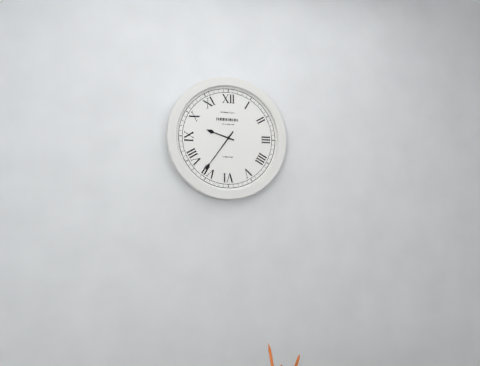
9:36
